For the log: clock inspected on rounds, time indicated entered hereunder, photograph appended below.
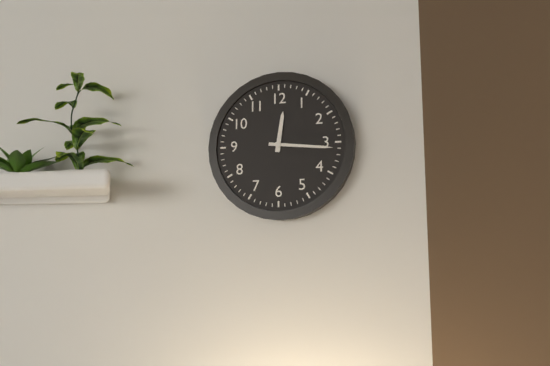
12:16
